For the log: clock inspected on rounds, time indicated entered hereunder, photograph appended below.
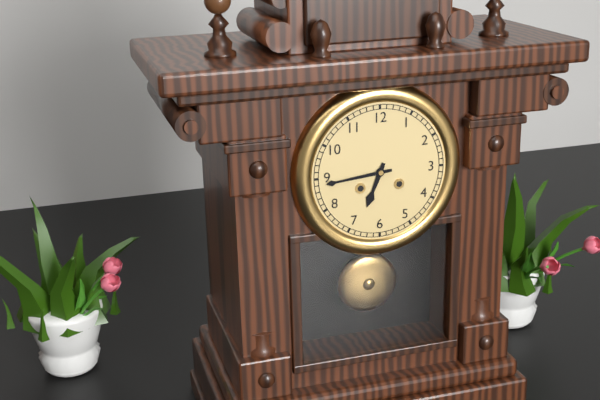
6:44
